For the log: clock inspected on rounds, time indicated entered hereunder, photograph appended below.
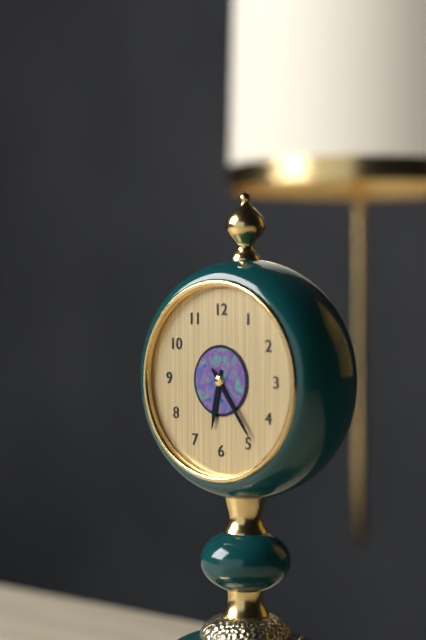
6:24
